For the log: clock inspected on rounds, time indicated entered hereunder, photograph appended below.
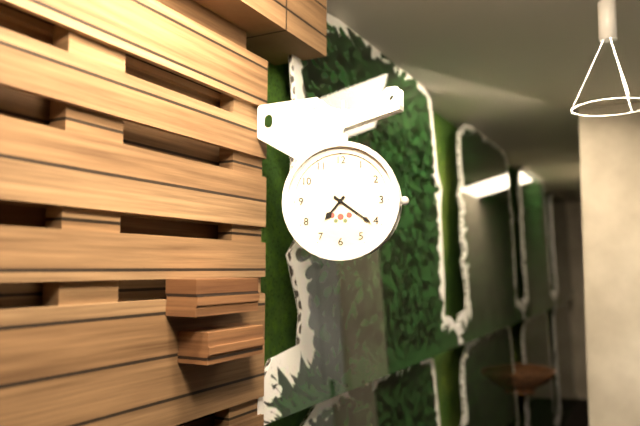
7:21
